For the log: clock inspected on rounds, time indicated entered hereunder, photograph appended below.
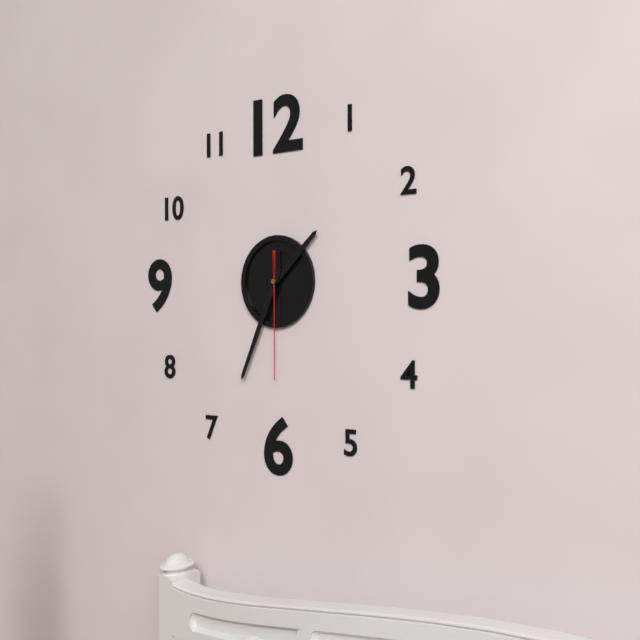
1:34:30
